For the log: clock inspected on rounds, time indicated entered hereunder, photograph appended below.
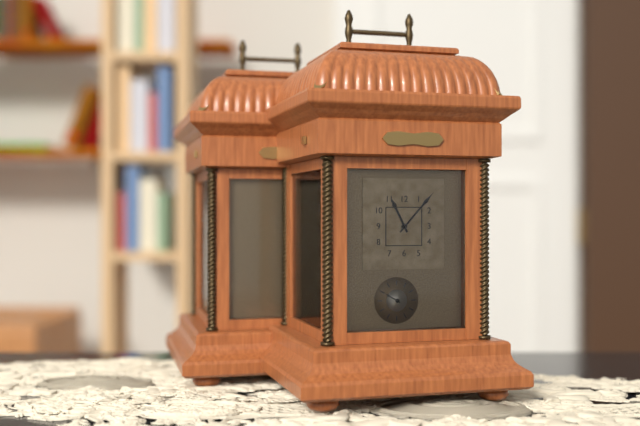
11:07
